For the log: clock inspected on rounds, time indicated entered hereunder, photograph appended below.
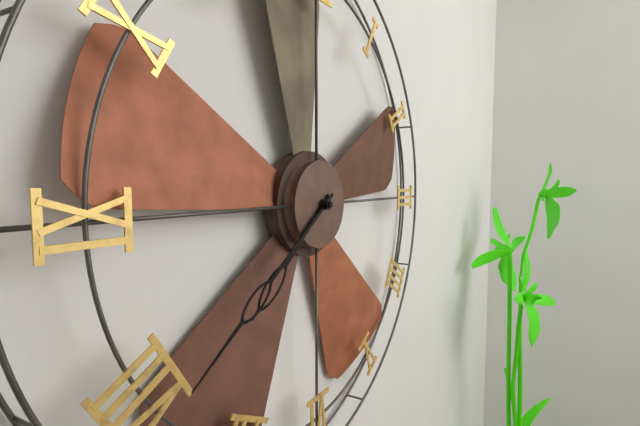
7:39
